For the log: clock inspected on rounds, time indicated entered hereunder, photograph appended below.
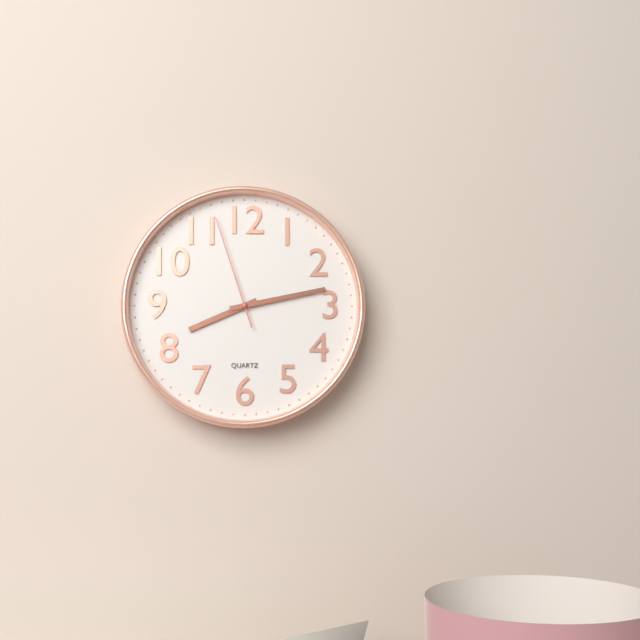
8:13:57
